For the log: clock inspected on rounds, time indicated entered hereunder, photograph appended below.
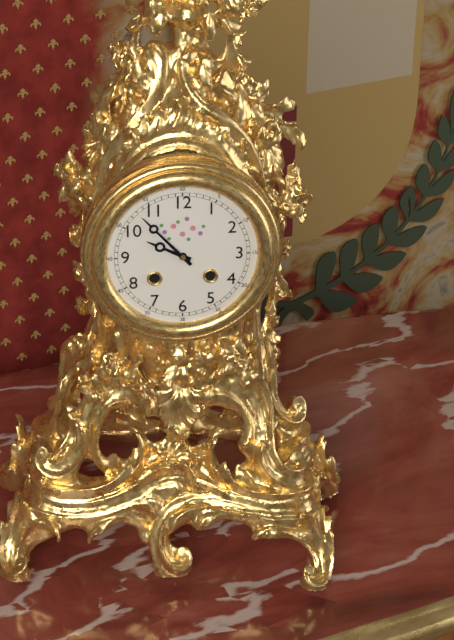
9:53
